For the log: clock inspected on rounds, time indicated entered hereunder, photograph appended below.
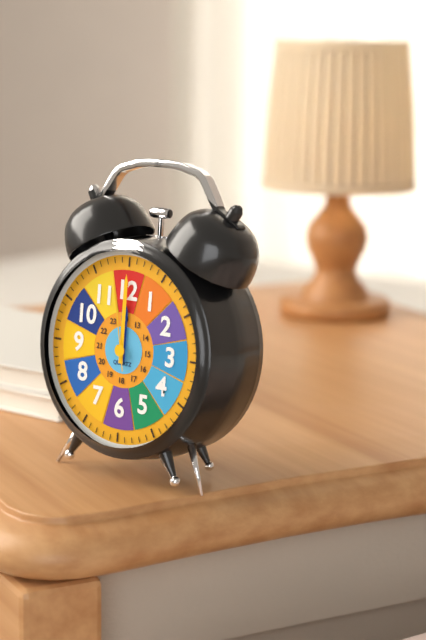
12:00:58
